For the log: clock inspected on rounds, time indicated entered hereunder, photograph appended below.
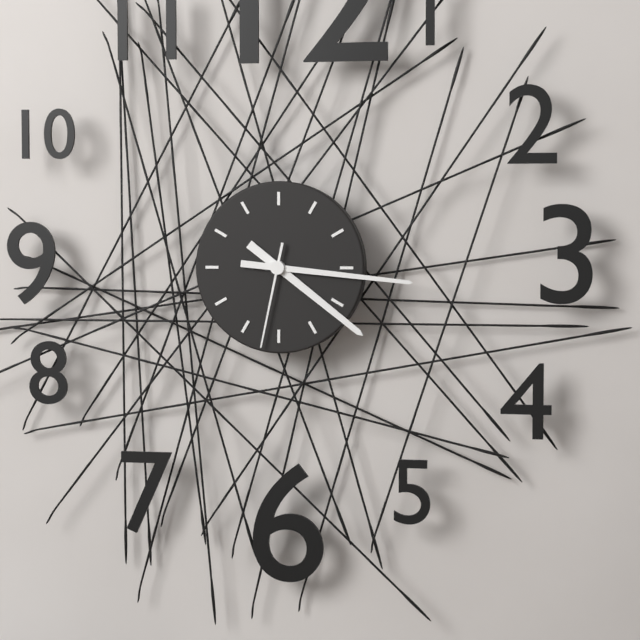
4:16:32
